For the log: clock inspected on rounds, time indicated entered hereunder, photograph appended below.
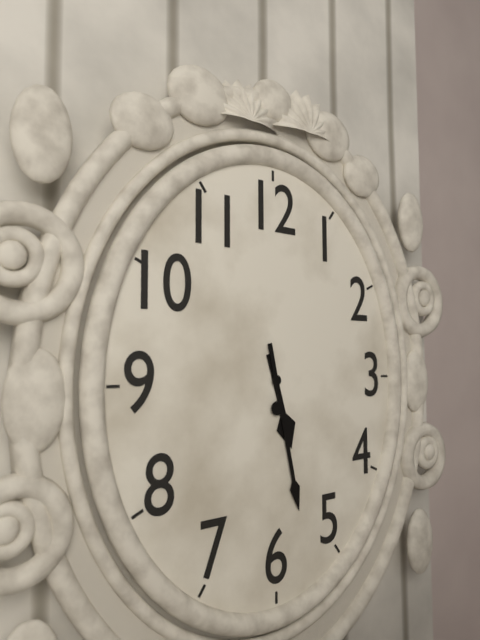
5:28
